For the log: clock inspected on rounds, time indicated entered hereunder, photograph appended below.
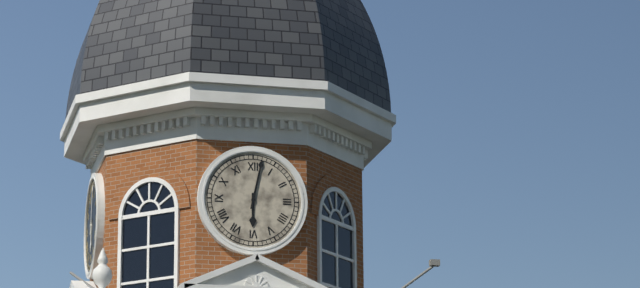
6:02
